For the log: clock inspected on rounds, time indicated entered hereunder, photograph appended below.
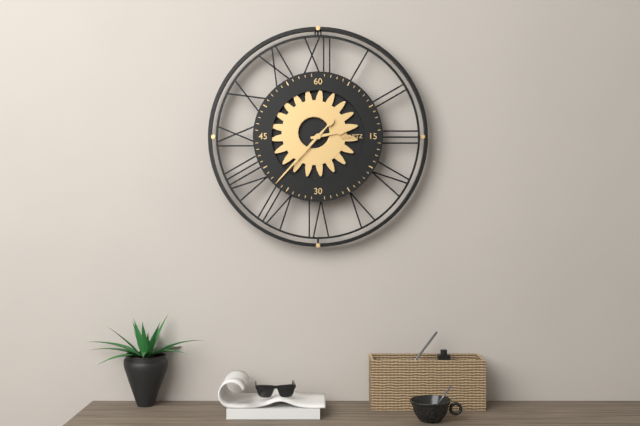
2:37
